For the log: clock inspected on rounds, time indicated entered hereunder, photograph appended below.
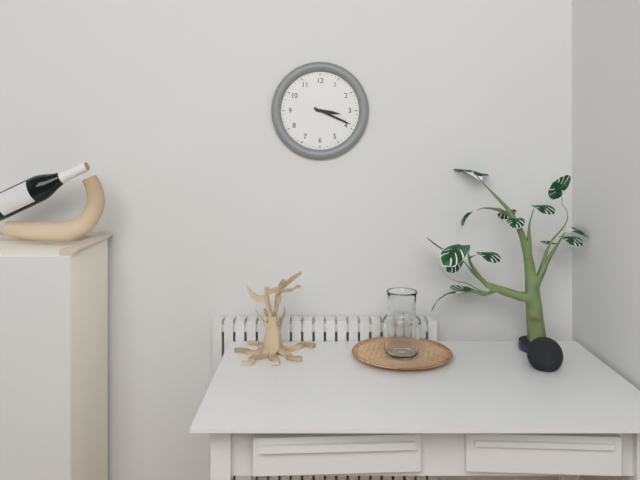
3:19
